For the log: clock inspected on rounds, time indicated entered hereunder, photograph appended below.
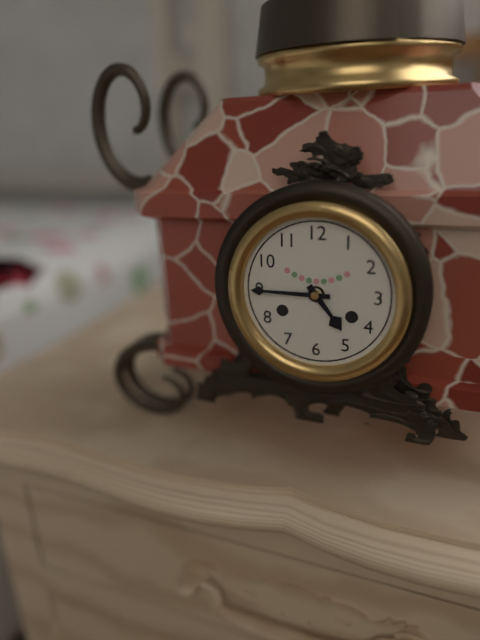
4:45
